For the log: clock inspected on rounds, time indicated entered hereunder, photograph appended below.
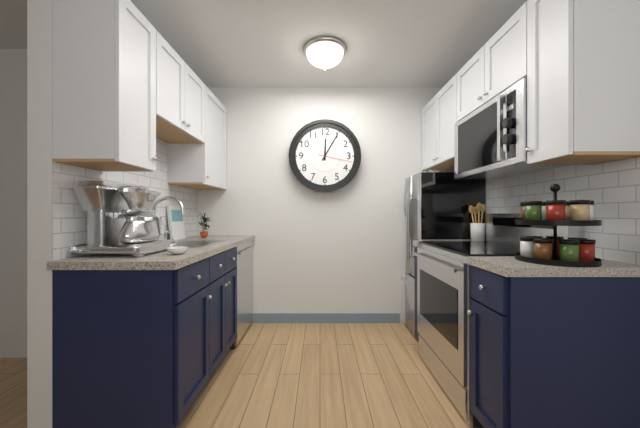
12:05
